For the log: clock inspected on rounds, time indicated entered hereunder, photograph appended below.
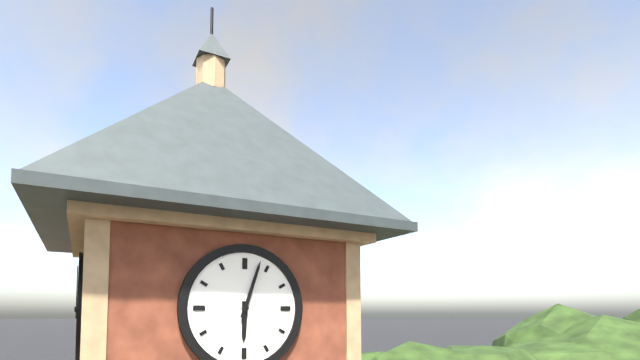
6:03
